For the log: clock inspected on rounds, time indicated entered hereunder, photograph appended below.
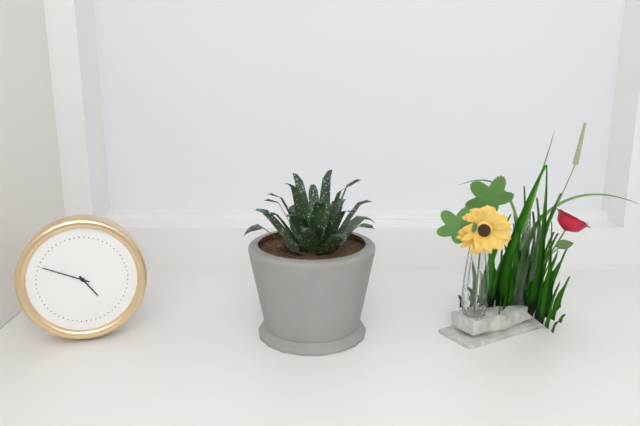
4:49
